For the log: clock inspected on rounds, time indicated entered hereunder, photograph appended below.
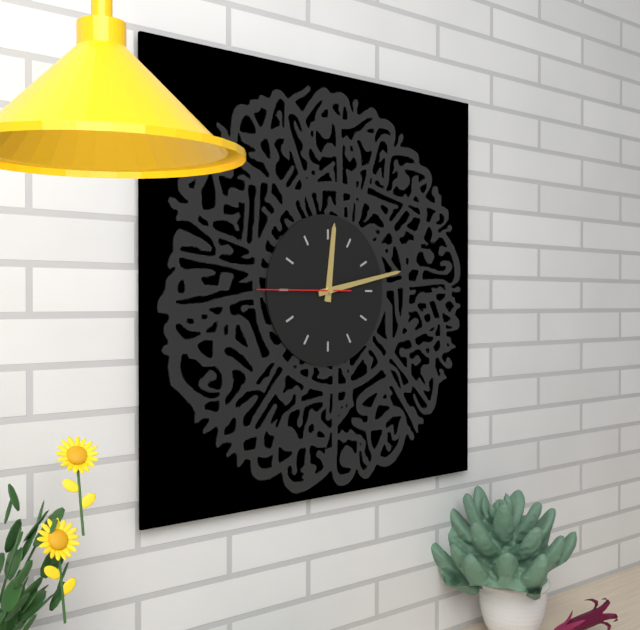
12:13:45
